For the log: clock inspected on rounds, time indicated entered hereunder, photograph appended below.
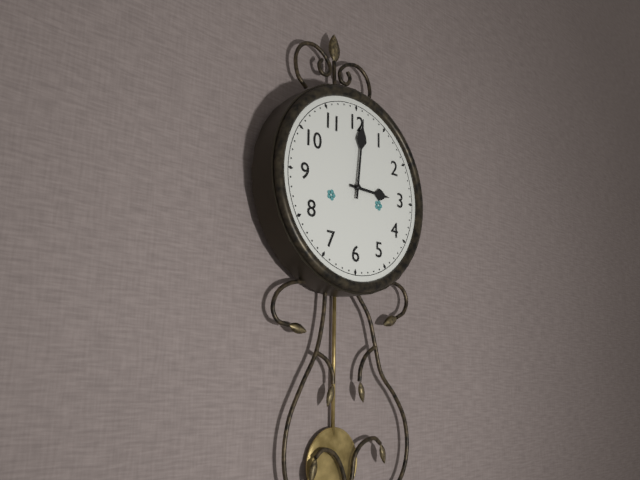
3:01
